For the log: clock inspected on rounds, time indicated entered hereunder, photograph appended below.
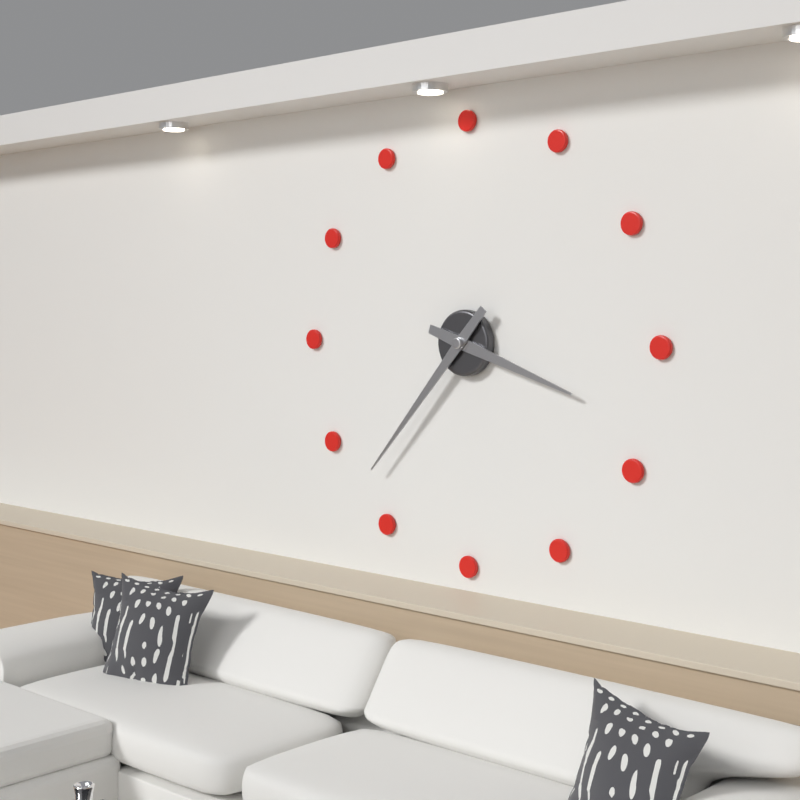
3:37
